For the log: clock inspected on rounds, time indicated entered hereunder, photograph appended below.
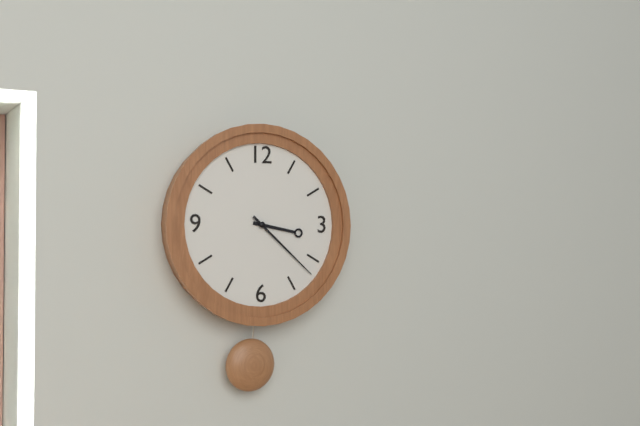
3:22
